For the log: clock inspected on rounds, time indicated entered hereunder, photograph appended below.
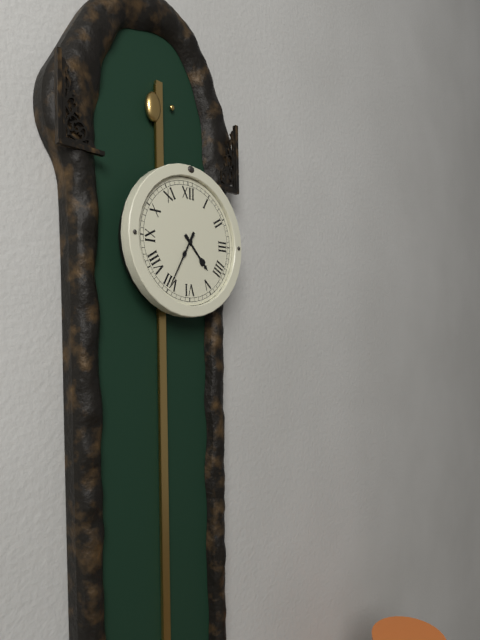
4:35
